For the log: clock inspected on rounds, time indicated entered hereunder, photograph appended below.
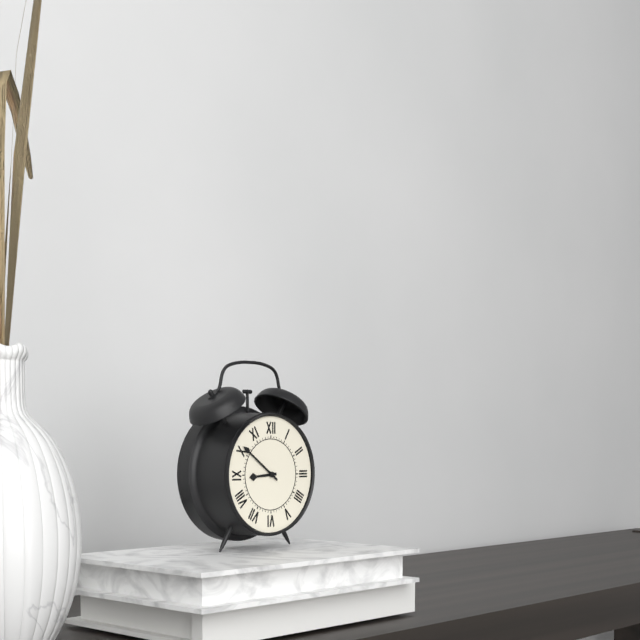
8:51
